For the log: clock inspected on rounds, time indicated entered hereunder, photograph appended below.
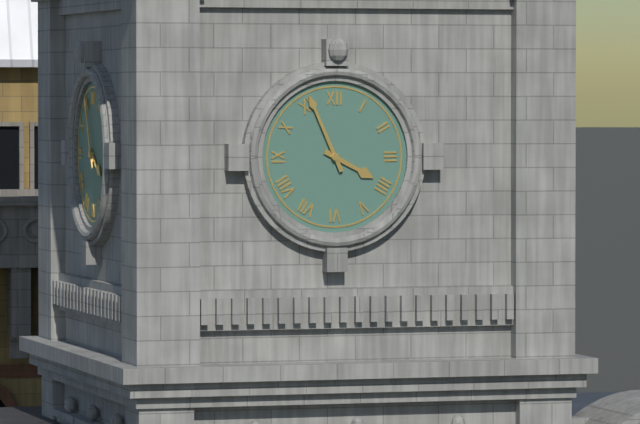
3:56
